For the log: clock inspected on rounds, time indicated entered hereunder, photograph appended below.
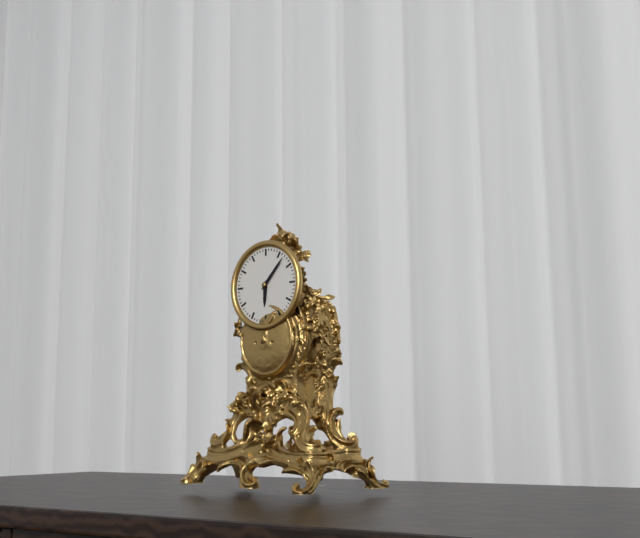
6:07
